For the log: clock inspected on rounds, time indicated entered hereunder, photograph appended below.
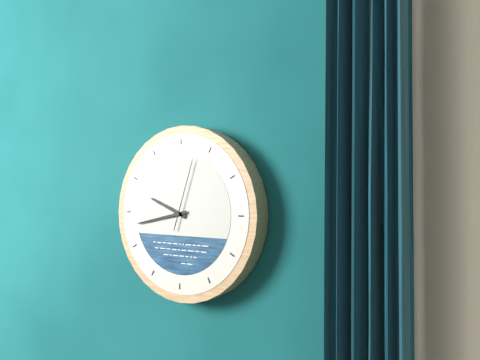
9:43:03
